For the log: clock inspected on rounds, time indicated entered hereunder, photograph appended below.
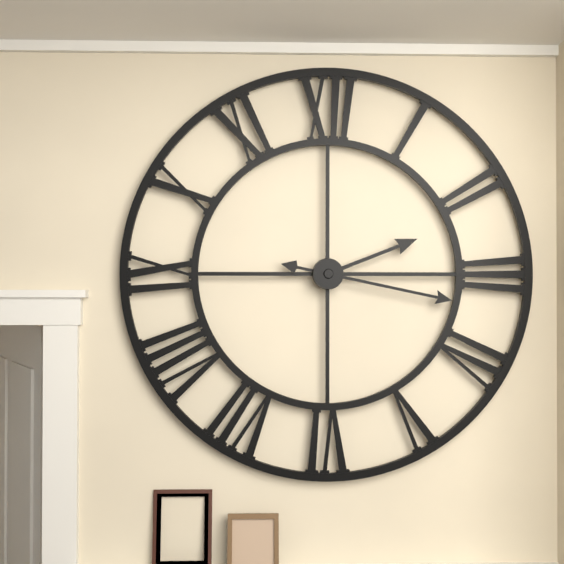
2:17
